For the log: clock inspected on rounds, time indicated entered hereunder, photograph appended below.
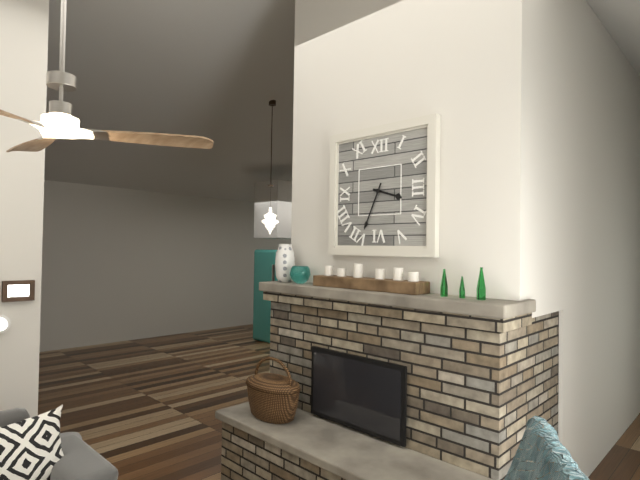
3:34
